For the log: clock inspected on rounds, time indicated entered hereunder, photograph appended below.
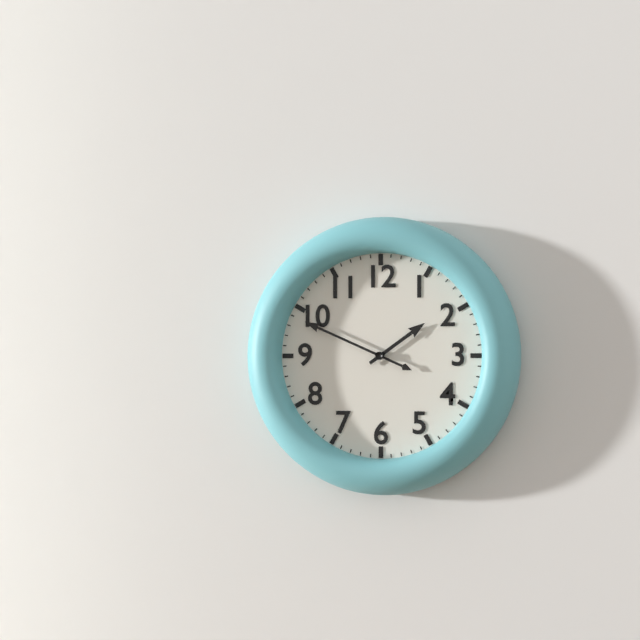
1:49
